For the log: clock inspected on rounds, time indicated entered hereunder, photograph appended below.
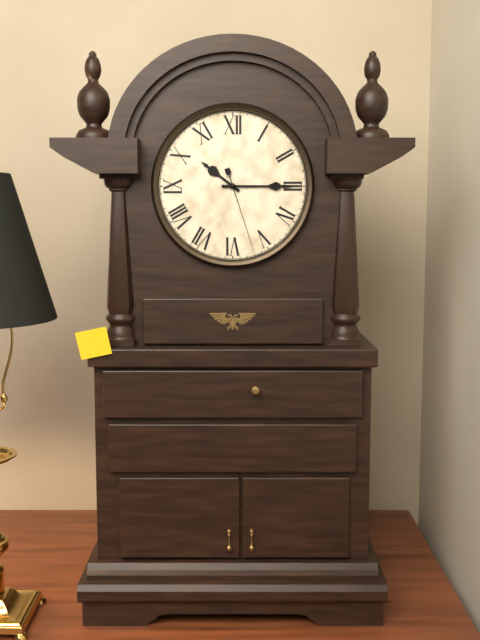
10:15:27
